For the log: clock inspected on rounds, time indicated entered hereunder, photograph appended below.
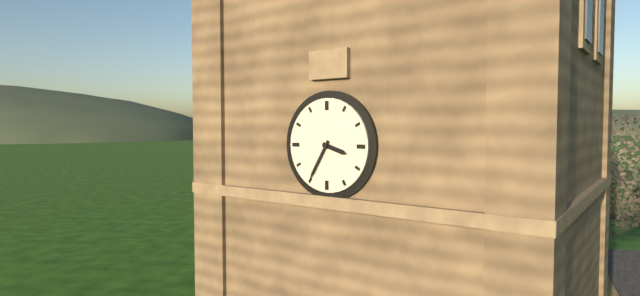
3:35
